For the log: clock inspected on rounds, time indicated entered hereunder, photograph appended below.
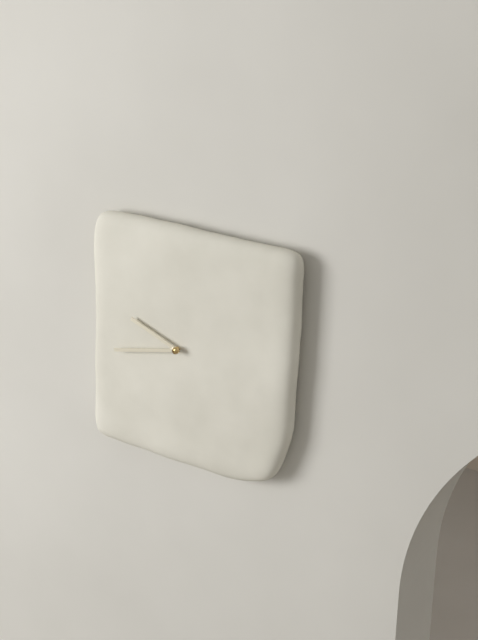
9:43
